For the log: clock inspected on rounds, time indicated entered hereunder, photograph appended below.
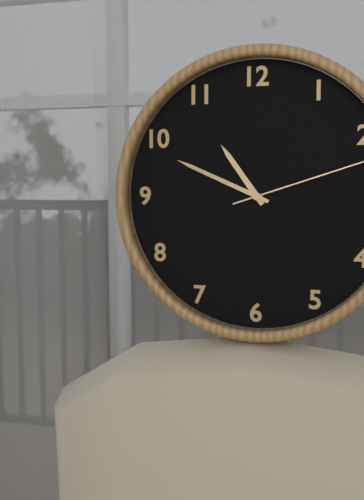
10:49
